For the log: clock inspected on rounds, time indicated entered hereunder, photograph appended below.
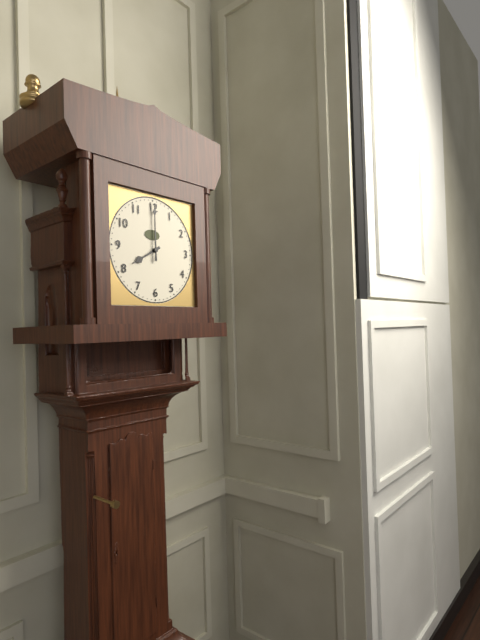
8:00
